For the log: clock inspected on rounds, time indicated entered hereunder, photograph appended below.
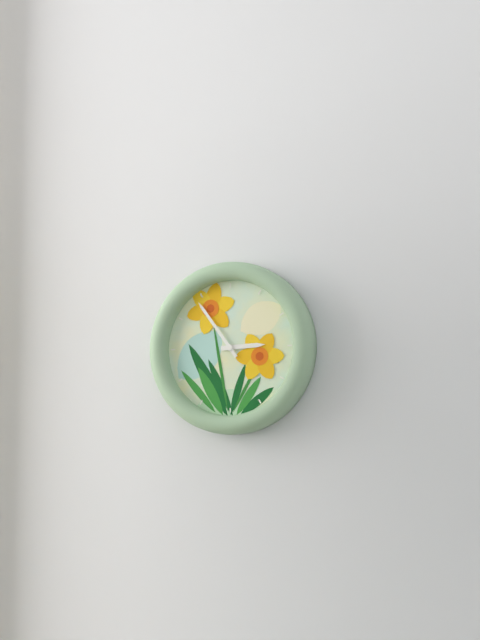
2:54
